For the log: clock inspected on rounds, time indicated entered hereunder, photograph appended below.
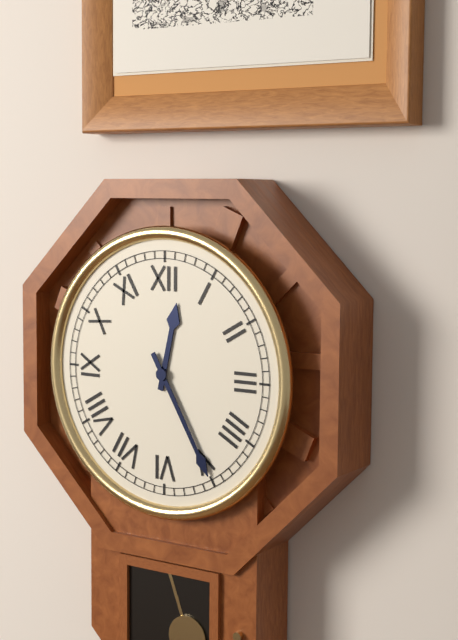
12:25
